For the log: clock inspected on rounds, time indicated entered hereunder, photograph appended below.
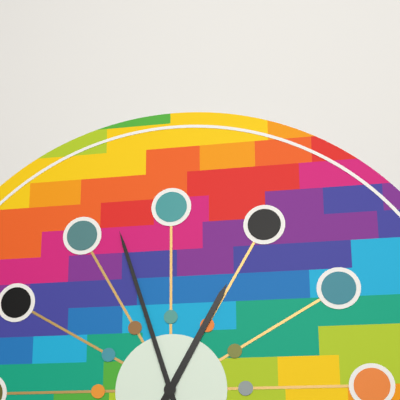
12:57
